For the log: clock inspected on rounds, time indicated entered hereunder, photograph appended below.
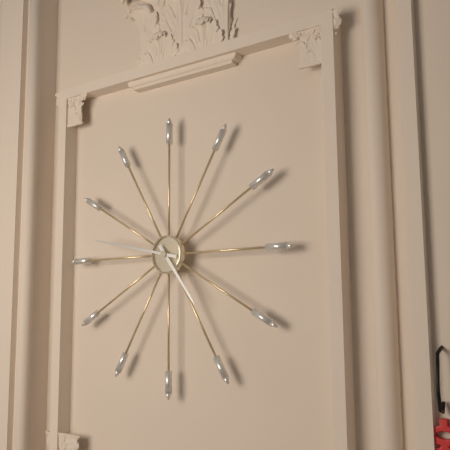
4:47
